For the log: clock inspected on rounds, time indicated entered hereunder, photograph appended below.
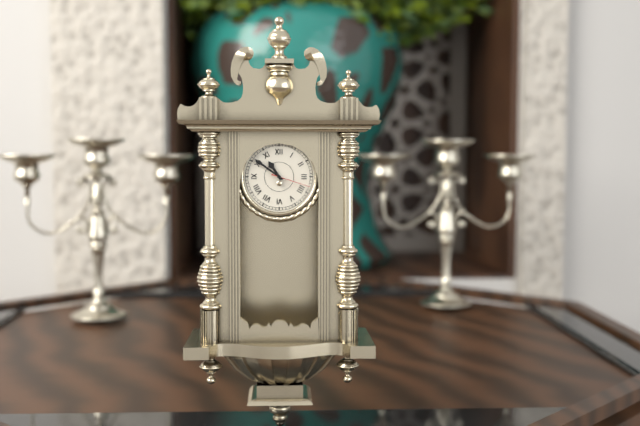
10:51
